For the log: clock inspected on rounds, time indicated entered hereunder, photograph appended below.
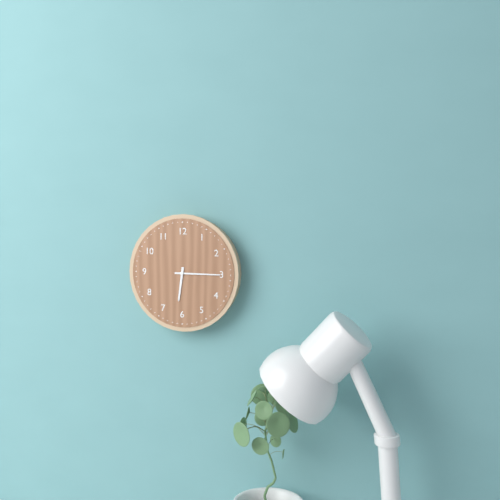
6:15
